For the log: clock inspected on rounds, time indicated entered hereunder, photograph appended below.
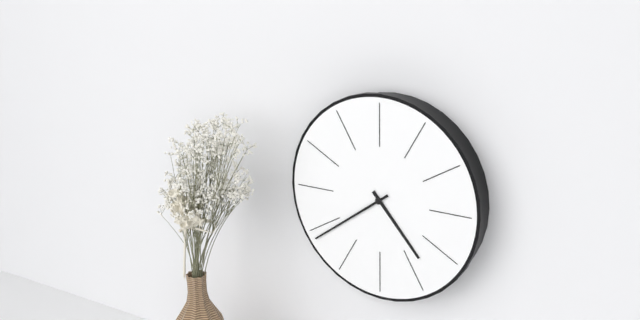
4:39
